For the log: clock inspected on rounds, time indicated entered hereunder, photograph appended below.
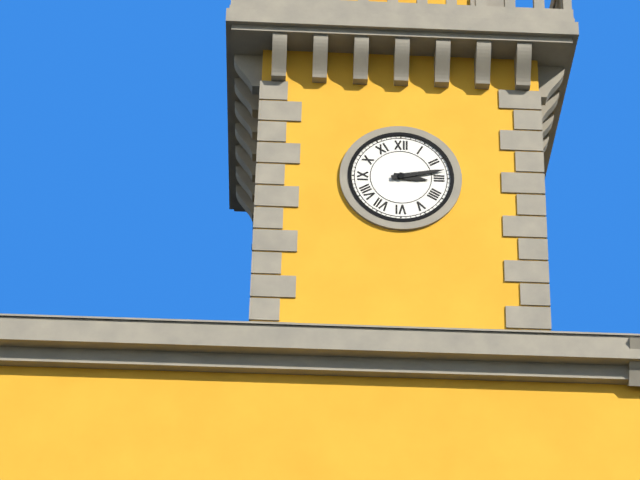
3:13
